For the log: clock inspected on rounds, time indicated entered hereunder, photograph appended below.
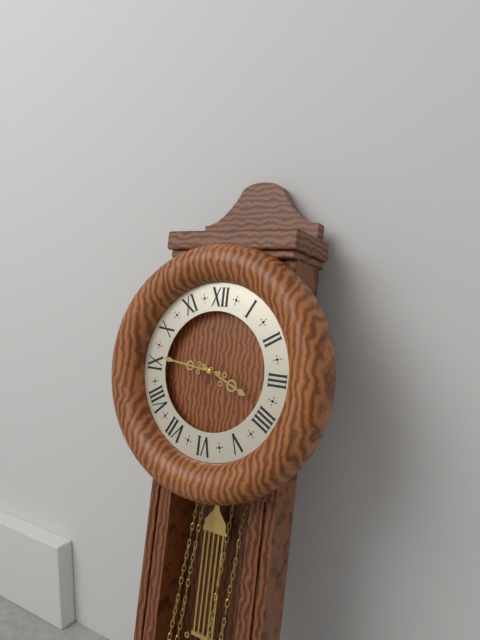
3:46
